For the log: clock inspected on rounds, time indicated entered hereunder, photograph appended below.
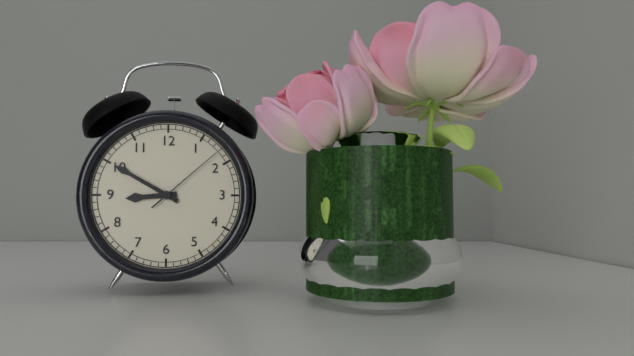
8:50:08
